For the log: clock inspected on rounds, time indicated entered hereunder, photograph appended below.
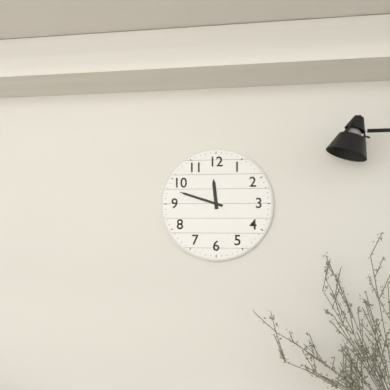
11:48
